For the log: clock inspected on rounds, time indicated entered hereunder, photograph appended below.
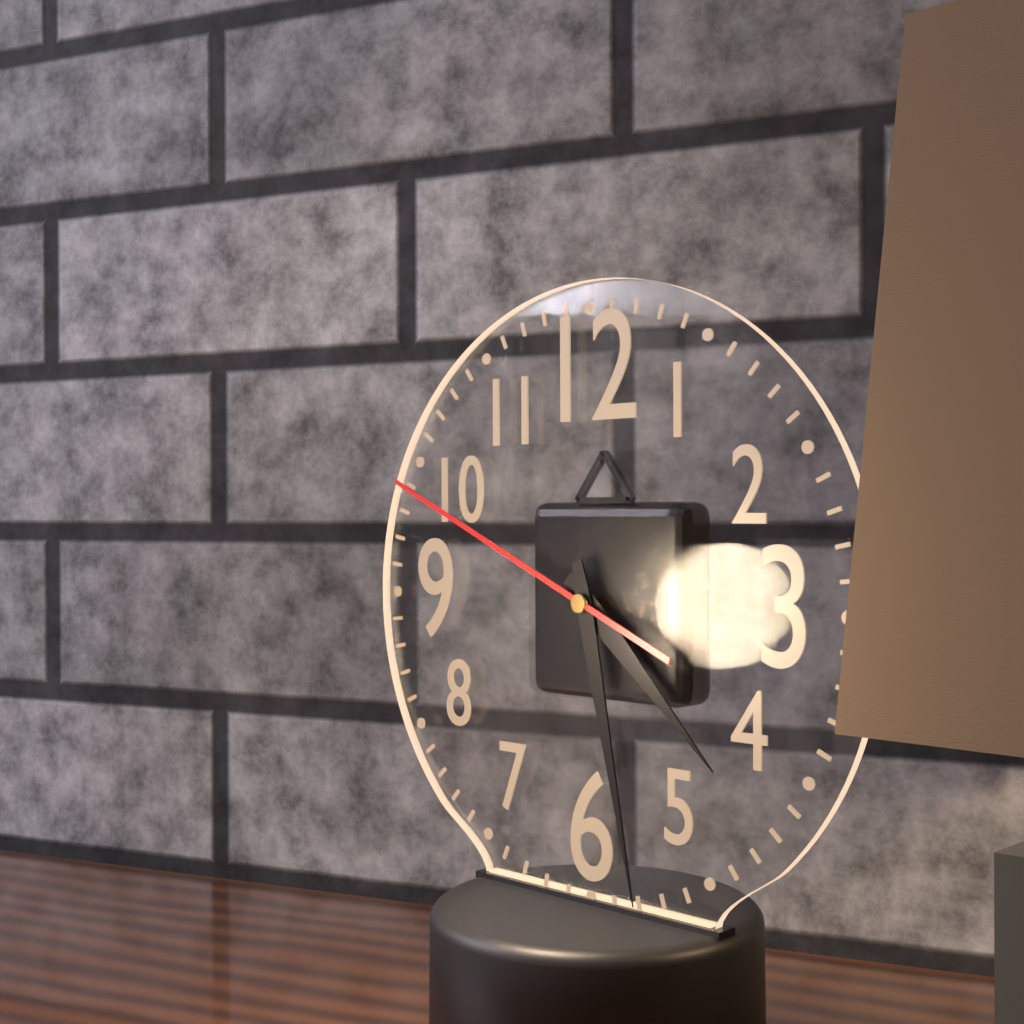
4:28:49
